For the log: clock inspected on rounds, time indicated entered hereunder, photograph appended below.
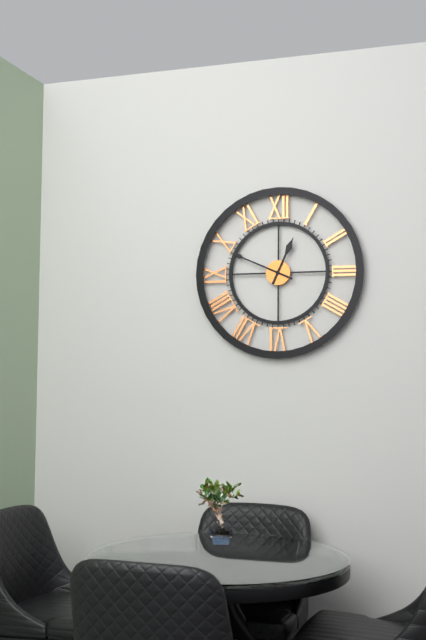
12:49
